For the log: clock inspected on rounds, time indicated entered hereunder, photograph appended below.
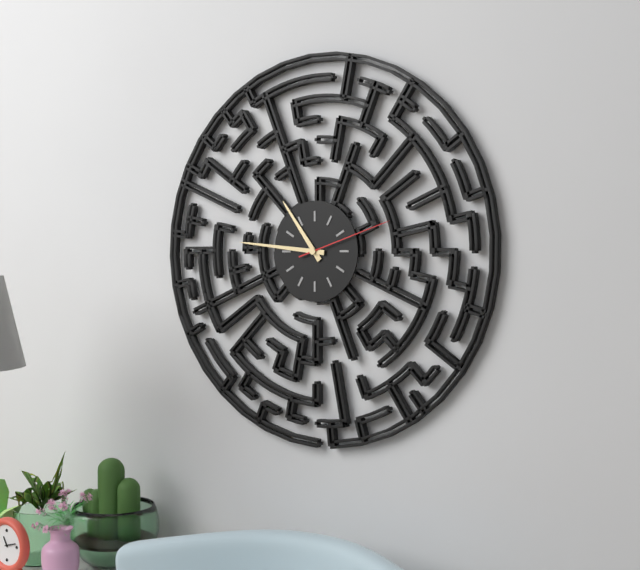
10:46:12
